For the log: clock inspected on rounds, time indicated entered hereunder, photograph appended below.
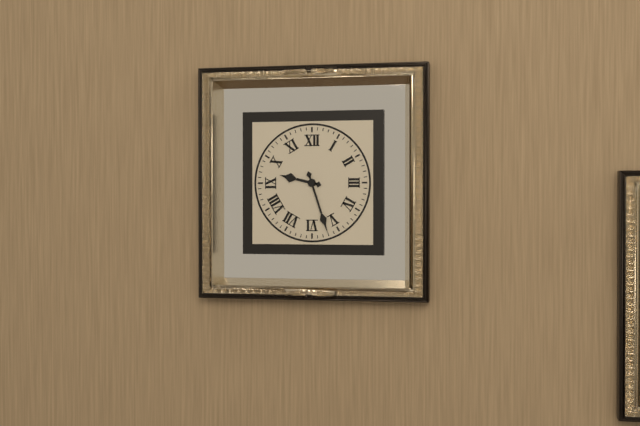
9:27
